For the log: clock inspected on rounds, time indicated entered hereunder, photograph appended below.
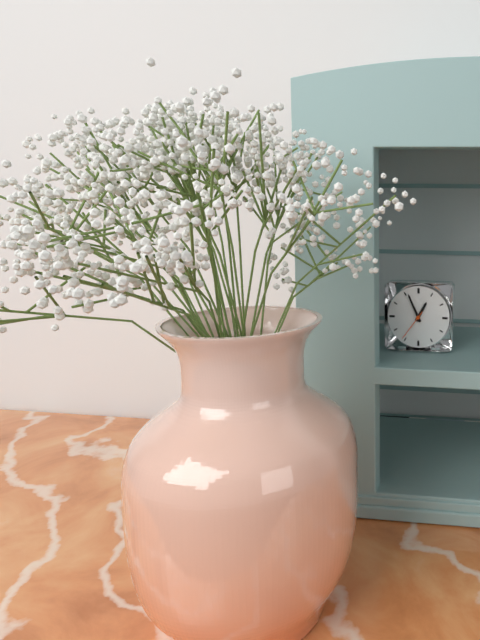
12:56
